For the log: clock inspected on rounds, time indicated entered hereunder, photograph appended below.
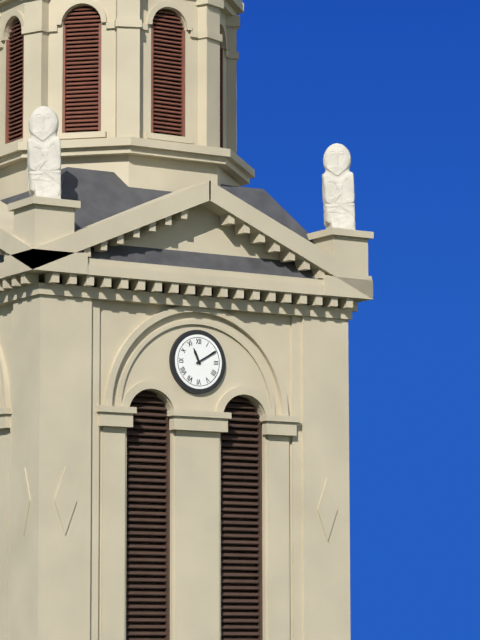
11:10
